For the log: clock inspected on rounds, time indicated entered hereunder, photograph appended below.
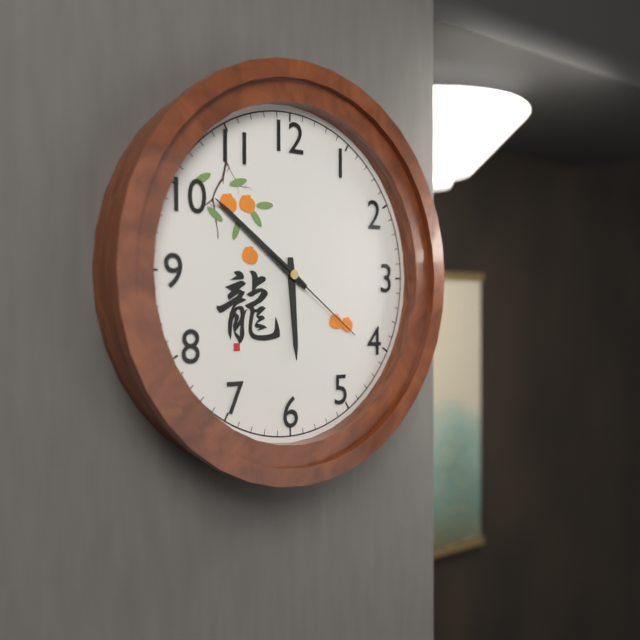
5:51:21
